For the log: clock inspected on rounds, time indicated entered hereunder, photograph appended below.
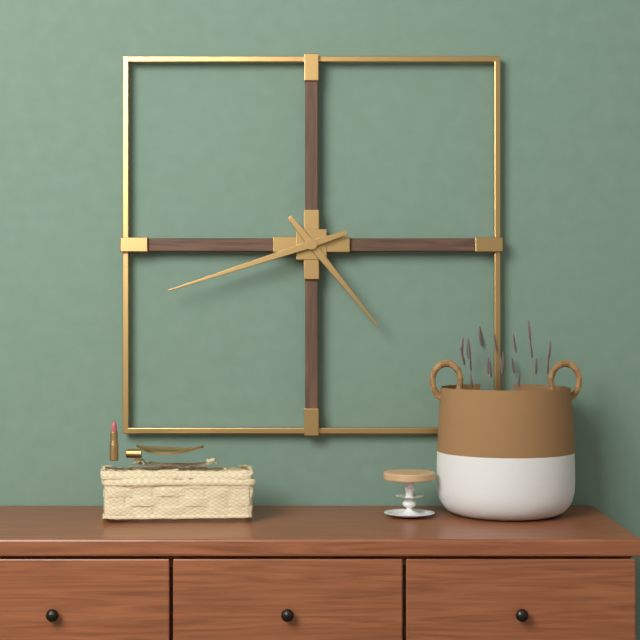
4:42
